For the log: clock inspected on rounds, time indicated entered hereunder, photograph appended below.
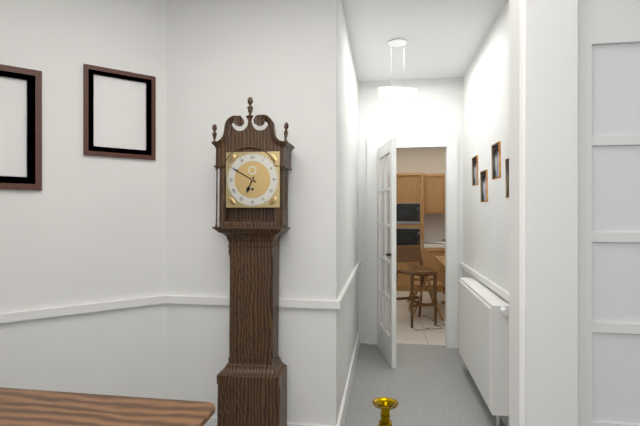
6:50
